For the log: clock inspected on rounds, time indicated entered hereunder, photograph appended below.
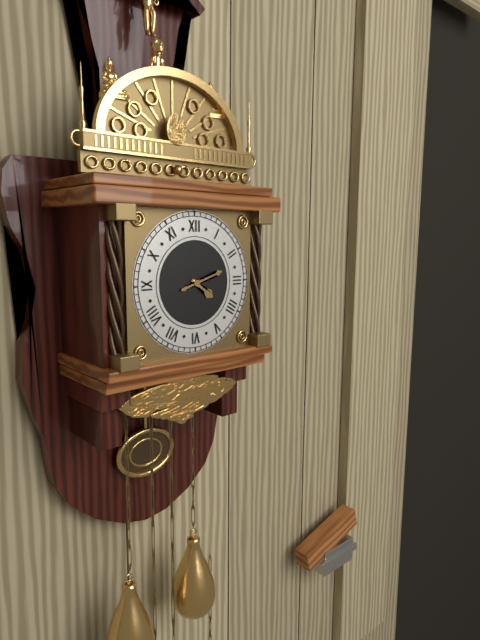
4:12
